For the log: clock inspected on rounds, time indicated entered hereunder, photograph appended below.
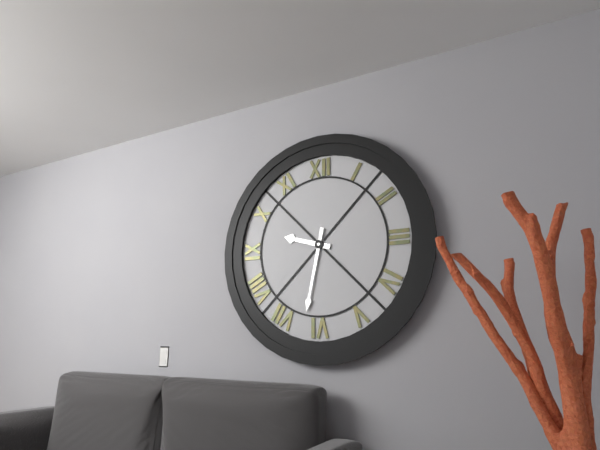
9:32
